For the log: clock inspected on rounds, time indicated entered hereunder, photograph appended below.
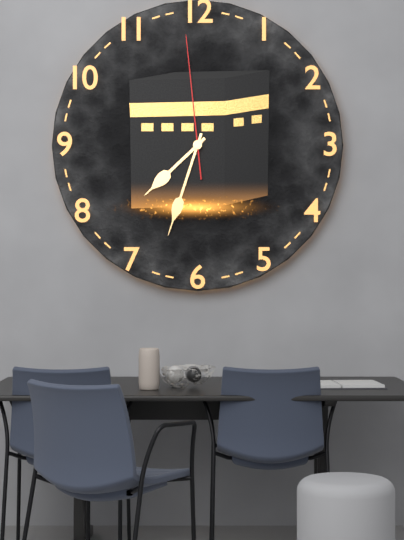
7:33:59
